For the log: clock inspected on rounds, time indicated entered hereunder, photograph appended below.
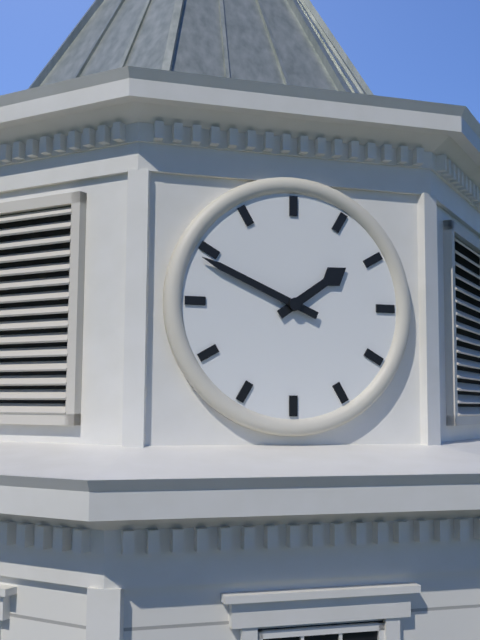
1:49
